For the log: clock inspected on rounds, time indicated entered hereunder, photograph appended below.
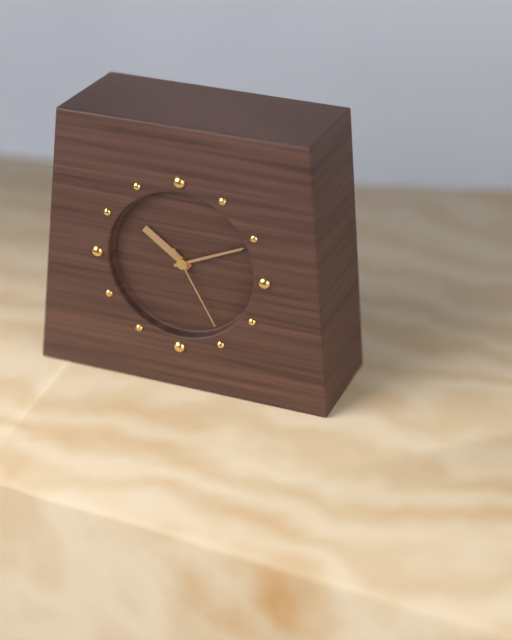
10:11:25
